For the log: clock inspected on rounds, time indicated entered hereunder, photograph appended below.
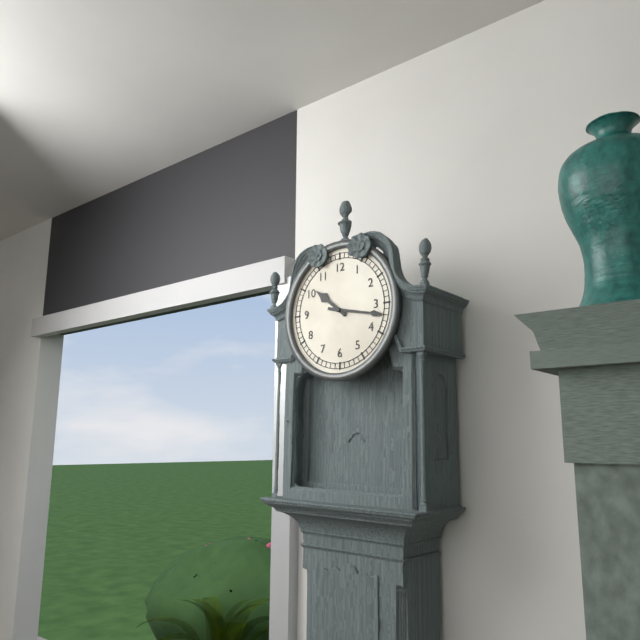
10:17
